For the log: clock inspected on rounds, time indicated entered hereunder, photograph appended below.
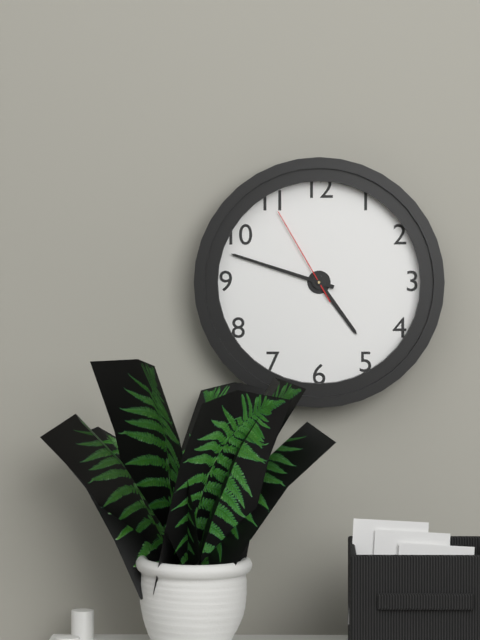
4:48:55
